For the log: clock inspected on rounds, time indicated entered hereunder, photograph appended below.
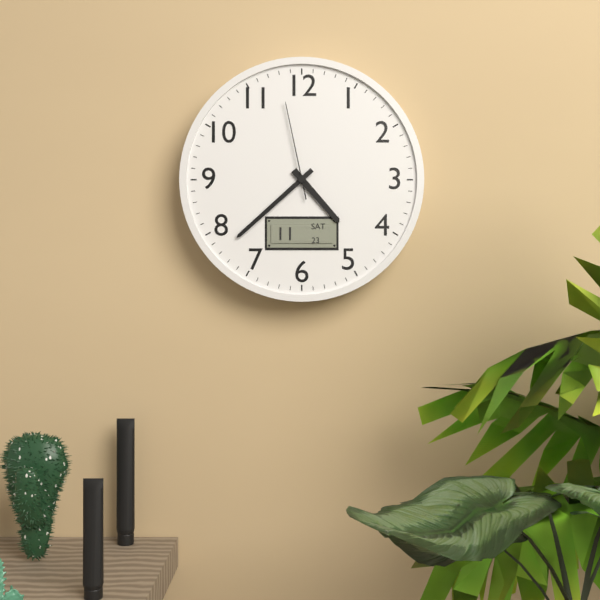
4:38:58
